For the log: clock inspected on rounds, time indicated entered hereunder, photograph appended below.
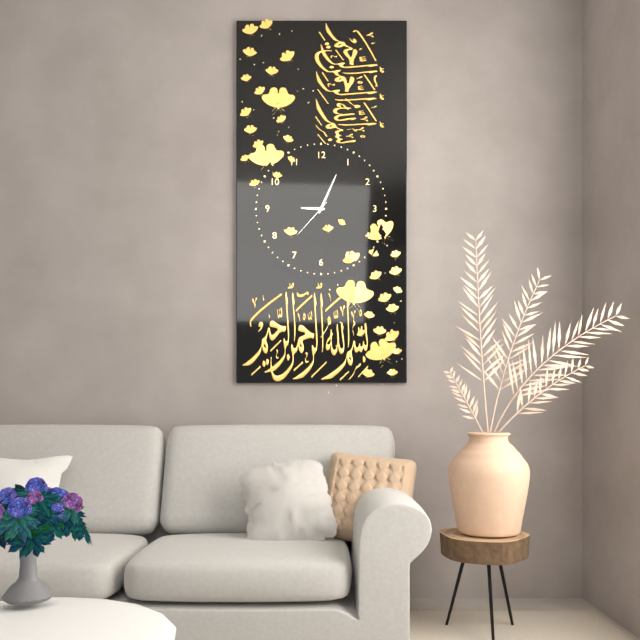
9:04
